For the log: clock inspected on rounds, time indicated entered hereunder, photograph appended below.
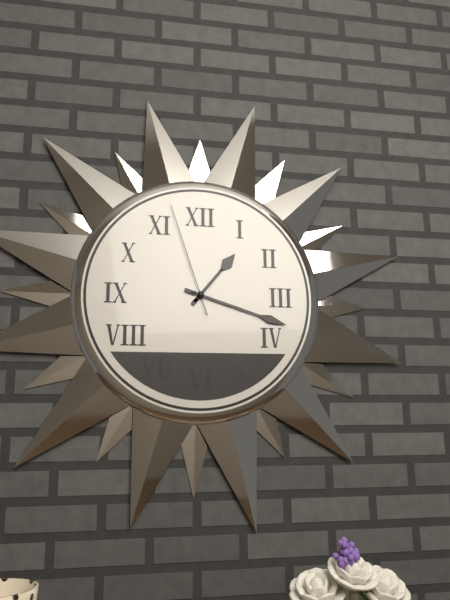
1:18:57
